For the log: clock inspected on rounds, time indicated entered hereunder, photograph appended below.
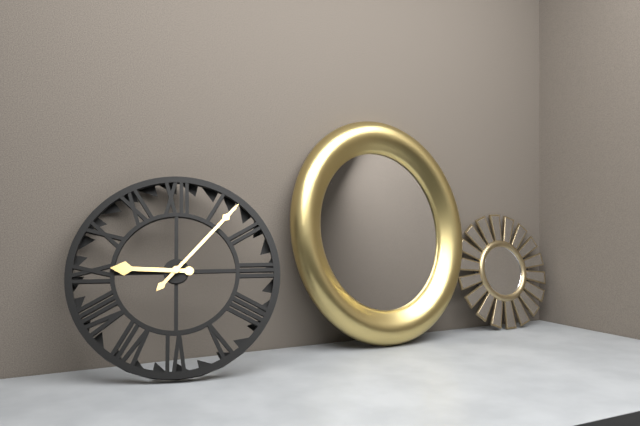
9:07
